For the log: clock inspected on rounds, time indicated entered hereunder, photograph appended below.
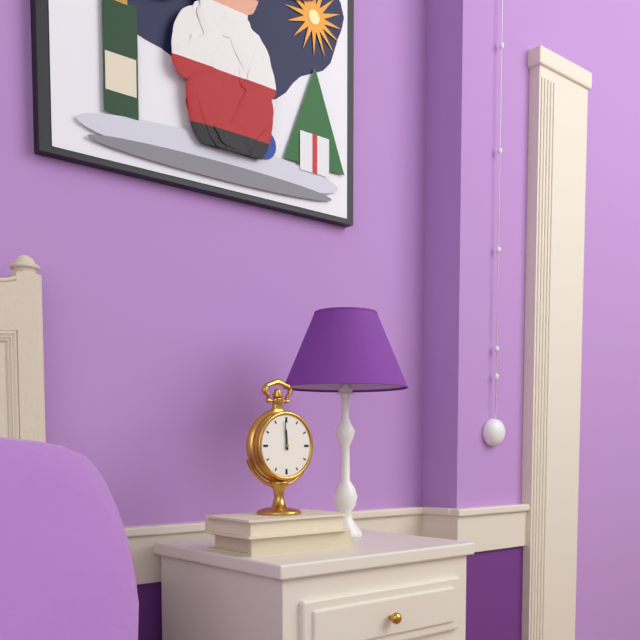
11:59
